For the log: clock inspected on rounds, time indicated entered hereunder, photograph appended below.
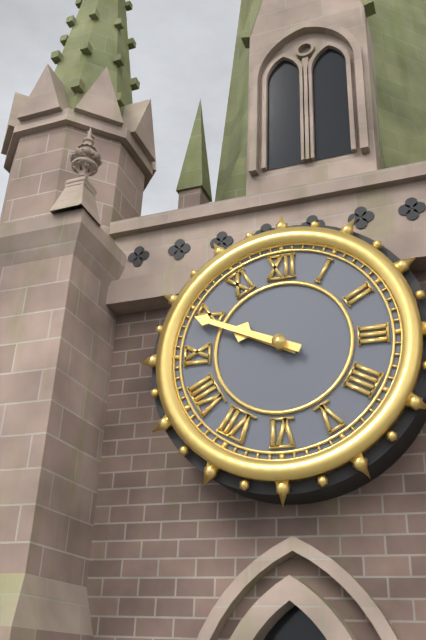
9:49
